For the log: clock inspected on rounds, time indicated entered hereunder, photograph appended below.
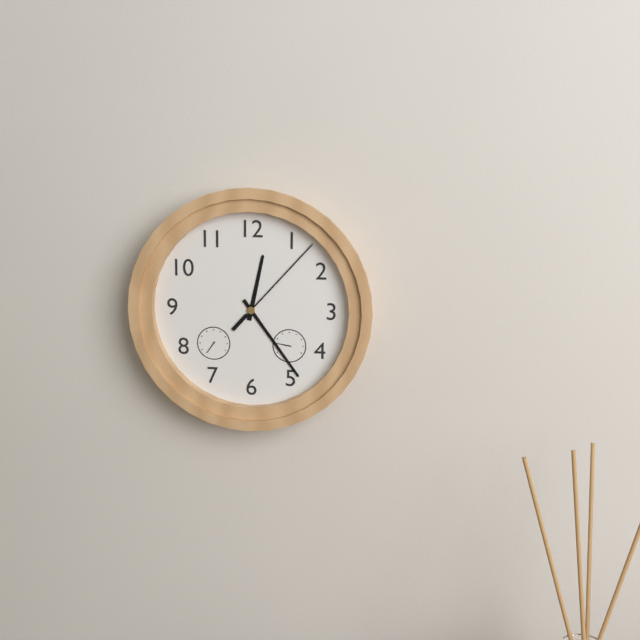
12:24:07
